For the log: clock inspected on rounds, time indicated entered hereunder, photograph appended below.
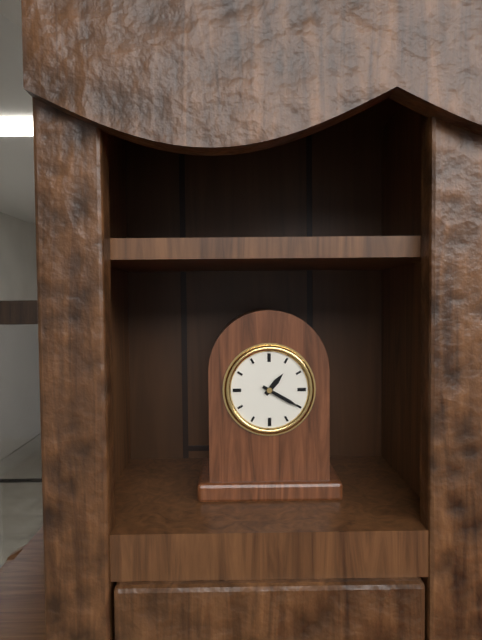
1:20
